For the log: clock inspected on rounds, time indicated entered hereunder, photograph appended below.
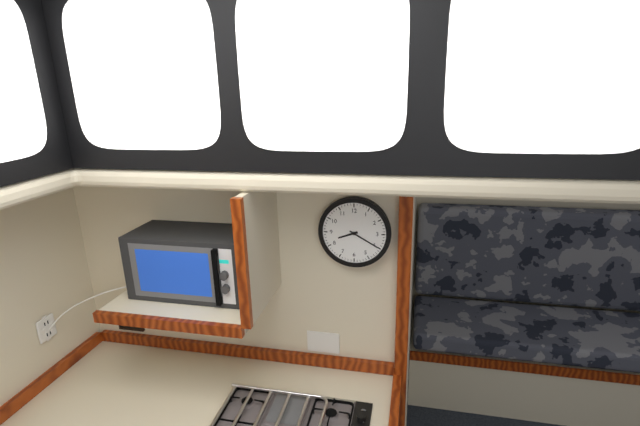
8:20
